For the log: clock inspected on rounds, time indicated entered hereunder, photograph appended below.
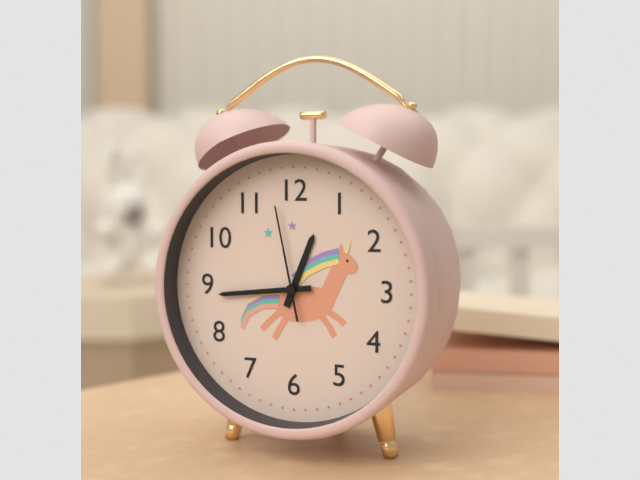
12:44:58
